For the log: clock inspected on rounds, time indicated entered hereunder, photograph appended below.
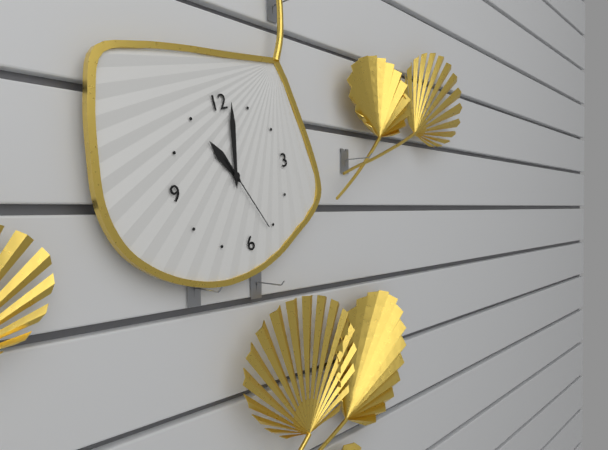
11:02:26
